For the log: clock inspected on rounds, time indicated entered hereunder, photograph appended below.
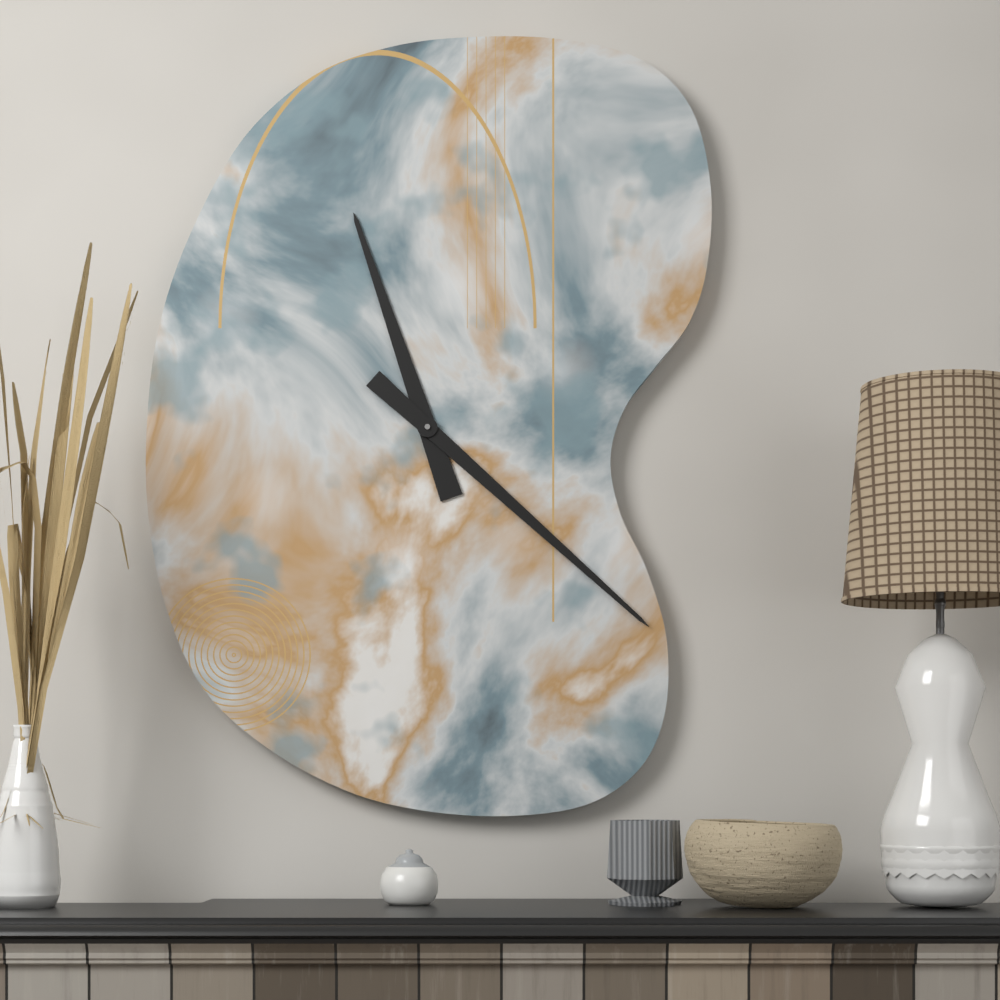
11:22
